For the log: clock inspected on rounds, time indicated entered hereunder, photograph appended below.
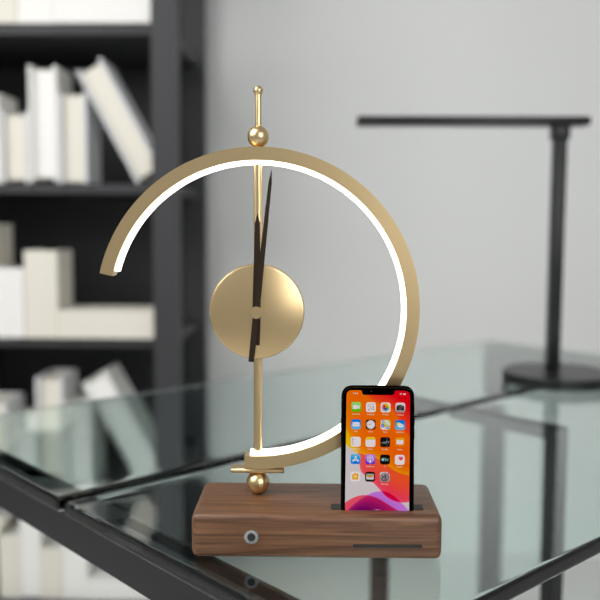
12:01
